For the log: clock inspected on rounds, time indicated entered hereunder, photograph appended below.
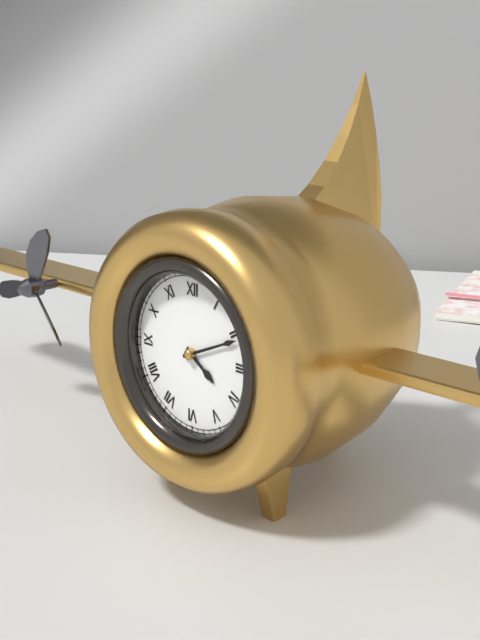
4:11
